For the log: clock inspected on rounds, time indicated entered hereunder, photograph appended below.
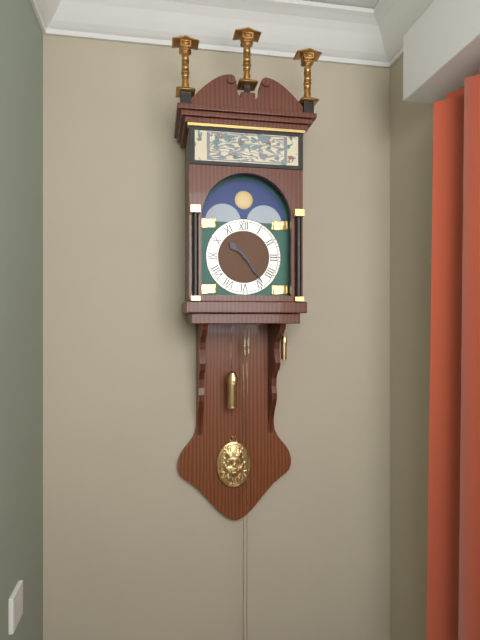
10:24
